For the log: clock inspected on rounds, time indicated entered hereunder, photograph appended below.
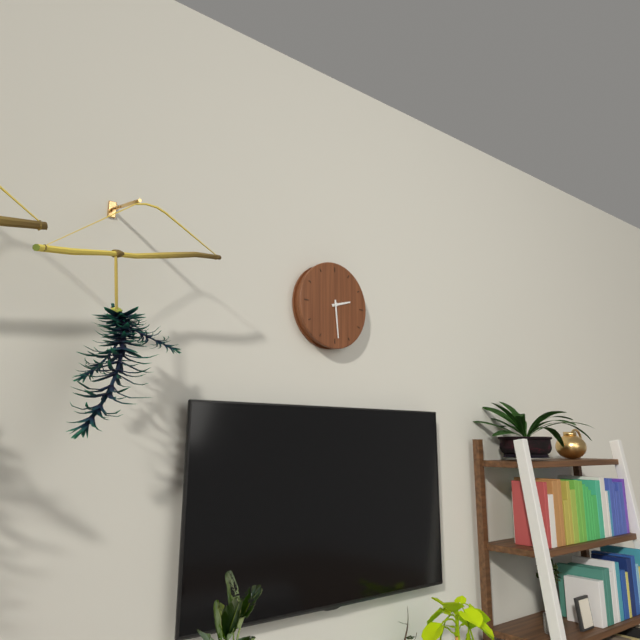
2:29
